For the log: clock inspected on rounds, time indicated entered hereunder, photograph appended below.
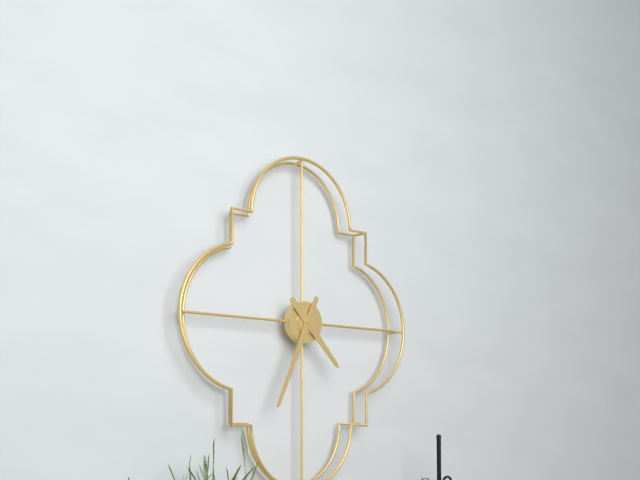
4:34
